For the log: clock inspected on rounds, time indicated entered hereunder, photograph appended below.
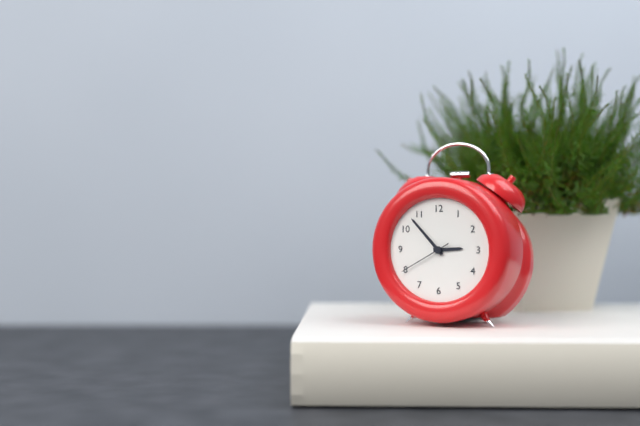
2:53:40
